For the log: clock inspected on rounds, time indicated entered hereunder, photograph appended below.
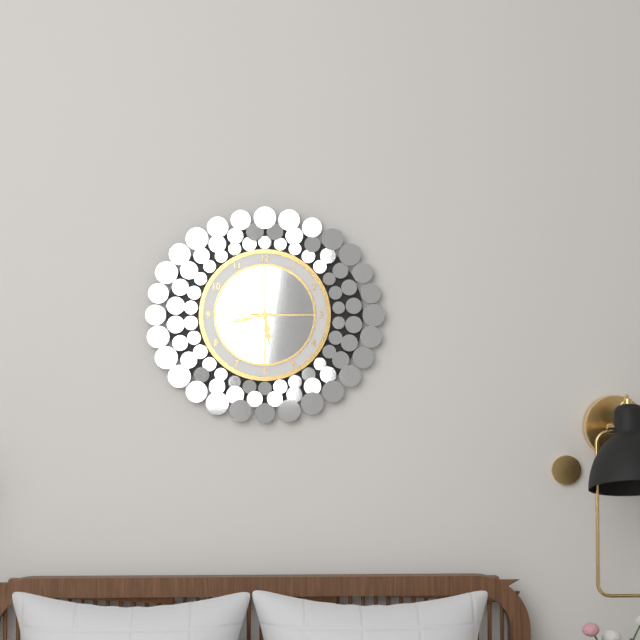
5:43:46
